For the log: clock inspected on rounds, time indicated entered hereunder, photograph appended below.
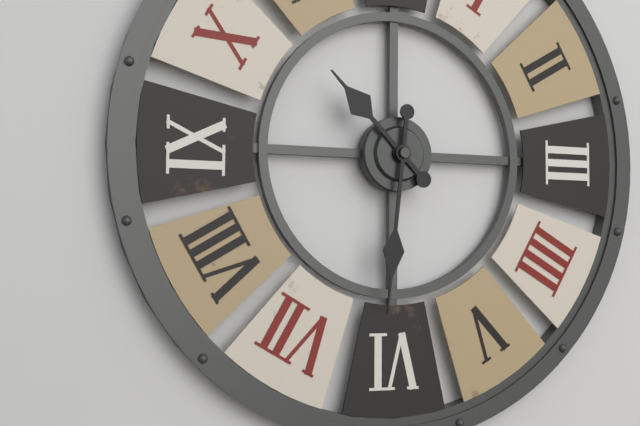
10:31
